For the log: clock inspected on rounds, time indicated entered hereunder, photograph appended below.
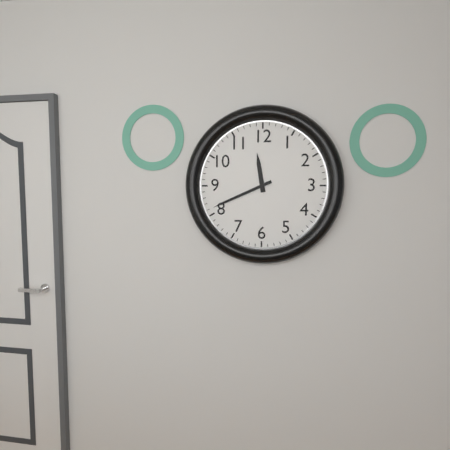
11:41
